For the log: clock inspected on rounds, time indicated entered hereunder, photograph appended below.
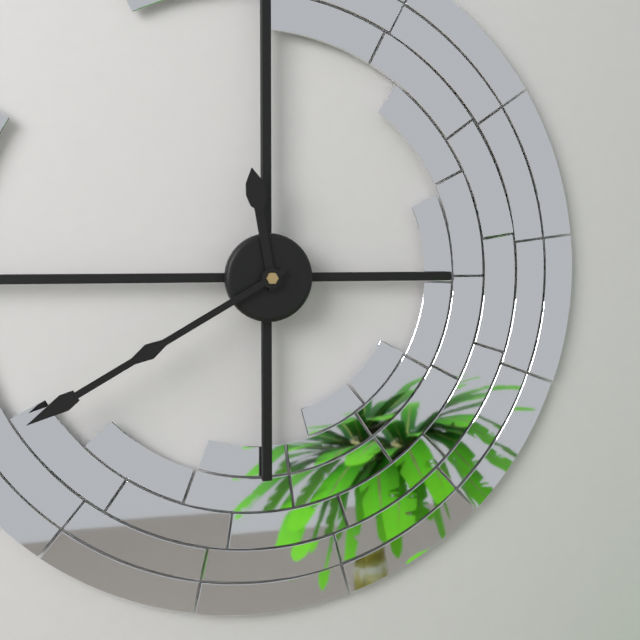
11:40
